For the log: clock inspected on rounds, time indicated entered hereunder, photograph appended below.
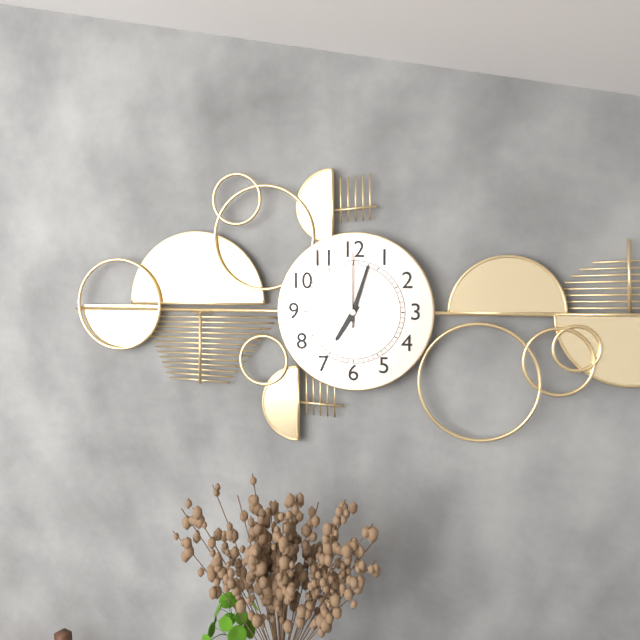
7:03:00
